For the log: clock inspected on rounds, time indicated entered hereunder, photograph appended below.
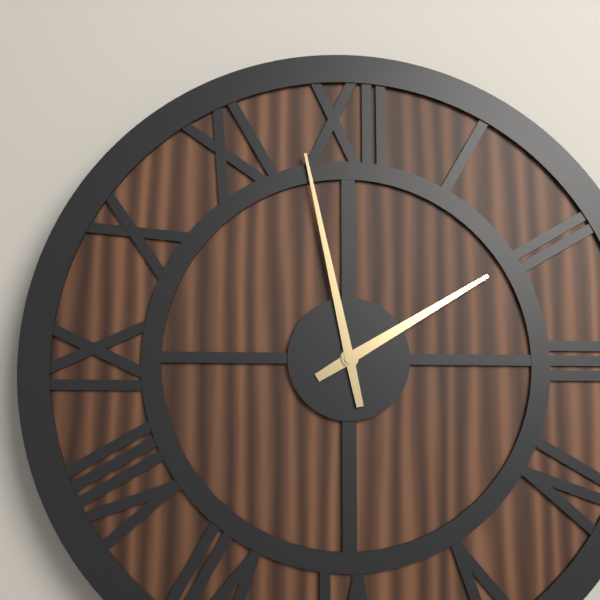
1:58
